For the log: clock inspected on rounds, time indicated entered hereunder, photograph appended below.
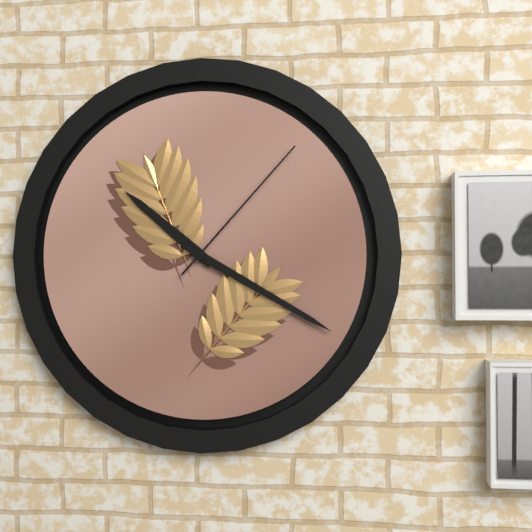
10:20:07
